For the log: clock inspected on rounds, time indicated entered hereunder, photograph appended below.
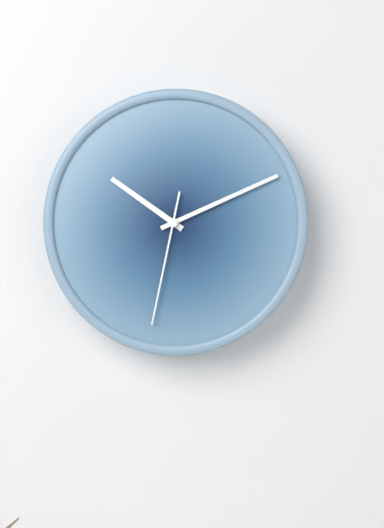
10:11:32
